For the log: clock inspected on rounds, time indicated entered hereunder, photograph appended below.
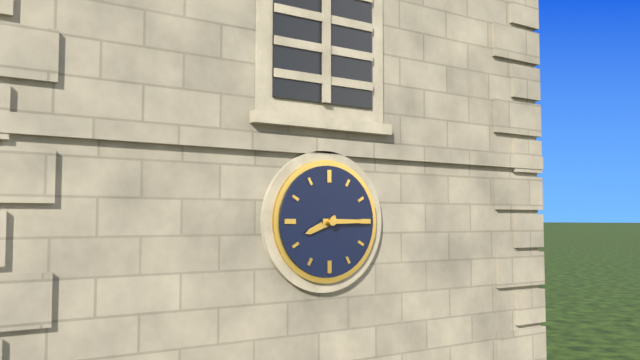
8:15
